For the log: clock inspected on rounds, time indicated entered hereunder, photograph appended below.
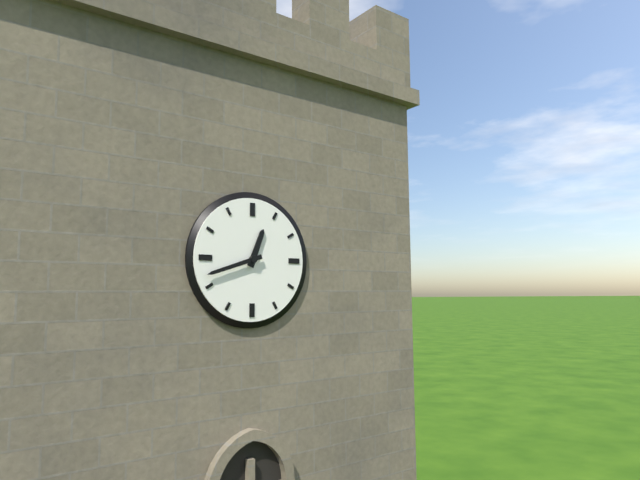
12:42
